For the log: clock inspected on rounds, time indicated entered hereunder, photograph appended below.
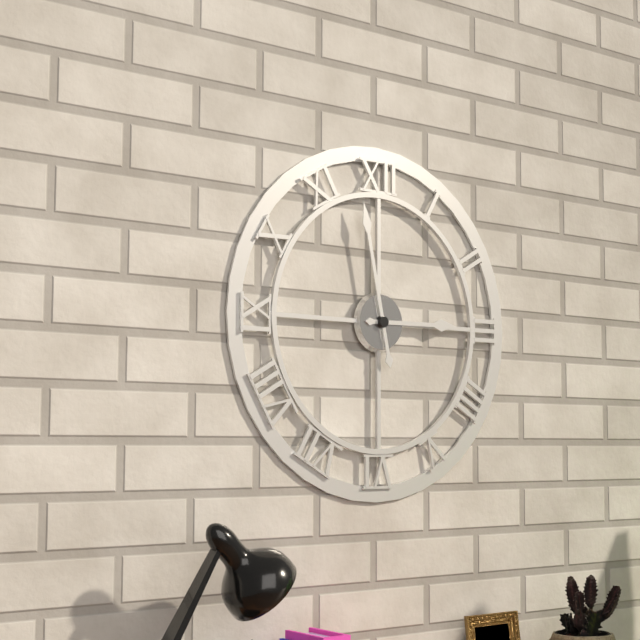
2:58
